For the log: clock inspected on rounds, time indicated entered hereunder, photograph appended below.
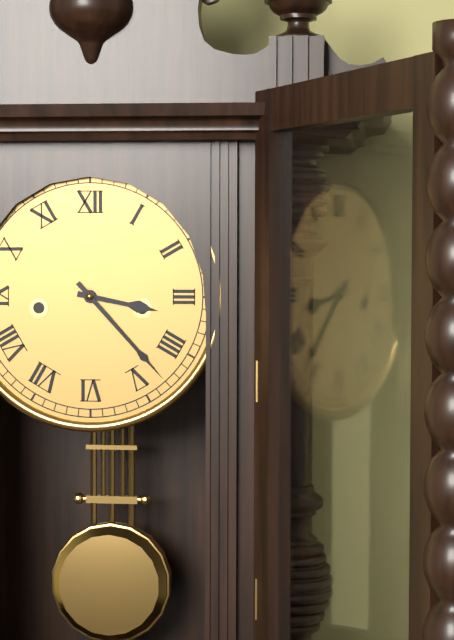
3:23
